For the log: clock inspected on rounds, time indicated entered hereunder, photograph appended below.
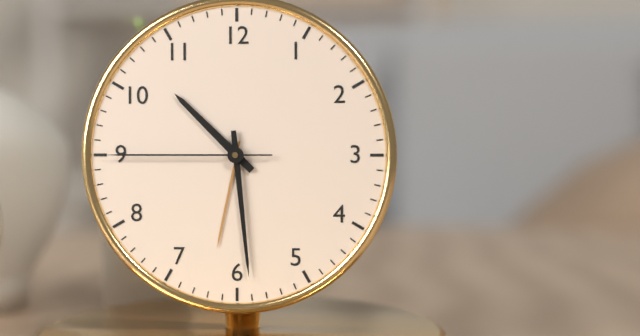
10:29:45
